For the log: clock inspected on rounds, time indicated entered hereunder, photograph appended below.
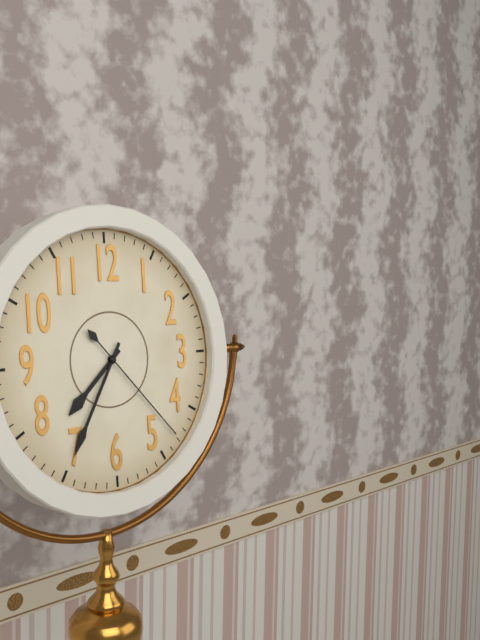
7:35:23
